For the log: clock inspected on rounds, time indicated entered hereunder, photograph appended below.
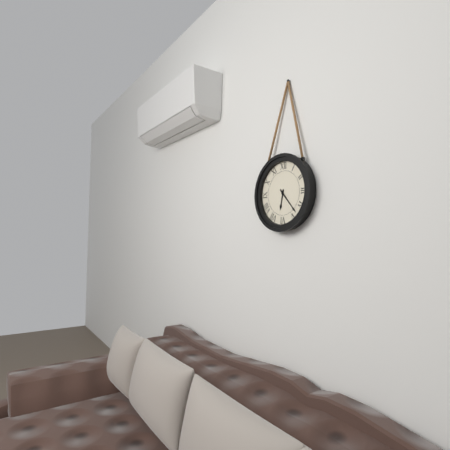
6:23
